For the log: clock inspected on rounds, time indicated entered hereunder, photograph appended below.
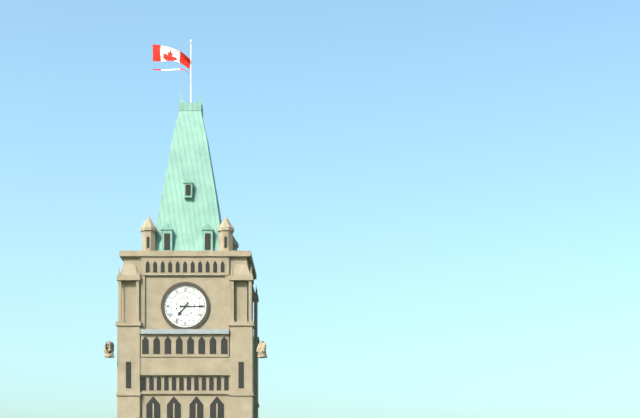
7:15
